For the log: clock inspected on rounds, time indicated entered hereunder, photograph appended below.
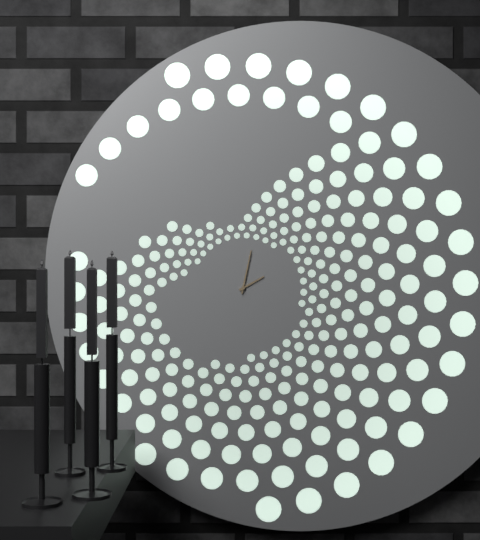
2:02
